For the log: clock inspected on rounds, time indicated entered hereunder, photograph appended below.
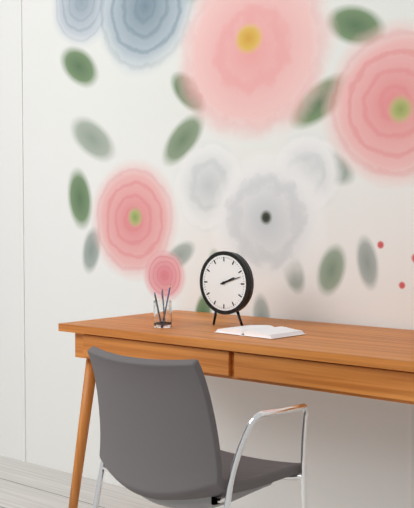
2:12
